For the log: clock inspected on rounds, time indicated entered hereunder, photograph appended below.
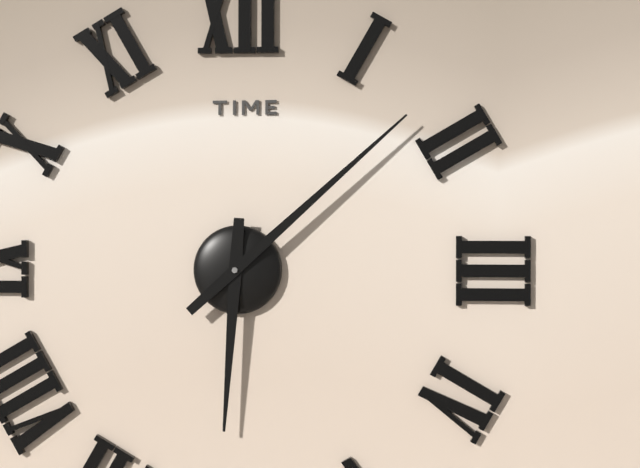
6:08
